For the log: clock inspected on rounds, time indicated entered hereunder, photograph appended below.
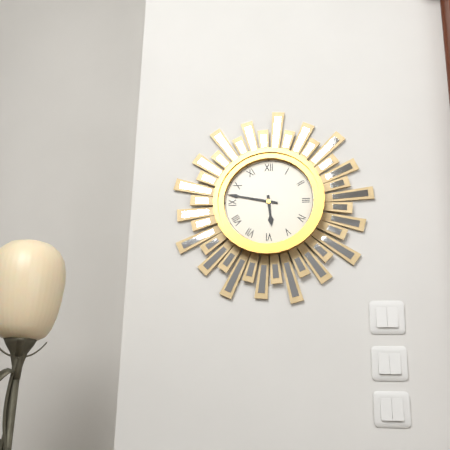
5:47
